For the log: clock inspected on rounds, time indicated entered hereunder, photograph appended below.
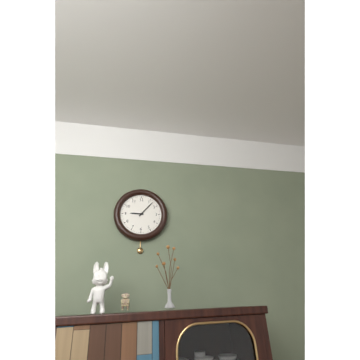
9:07
